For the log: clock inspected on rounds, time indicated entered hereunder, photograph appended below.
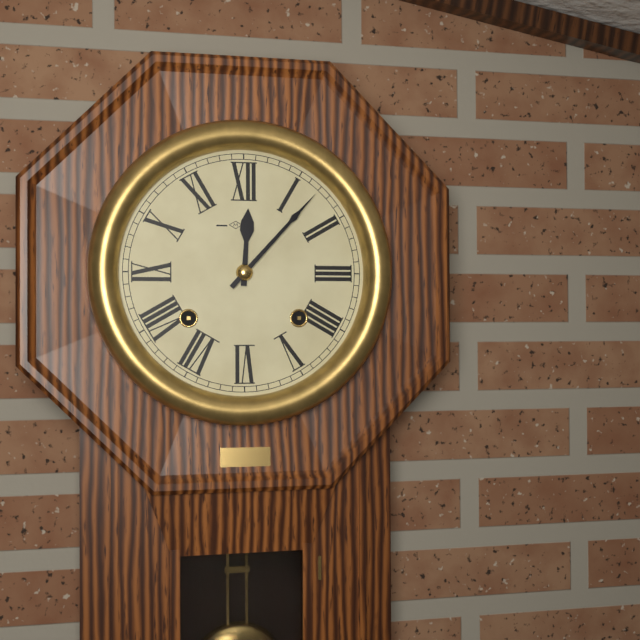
12:07
